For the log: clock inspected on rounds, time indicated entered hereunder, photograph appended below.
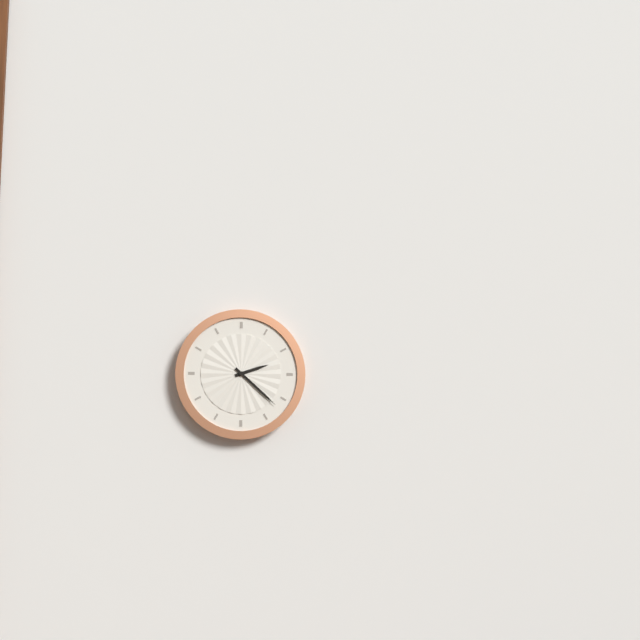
2:22
